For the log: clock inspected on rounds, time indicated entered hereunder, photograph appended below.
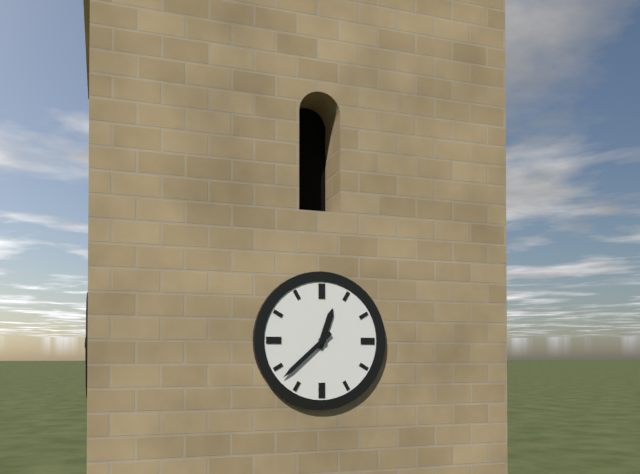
12:38
